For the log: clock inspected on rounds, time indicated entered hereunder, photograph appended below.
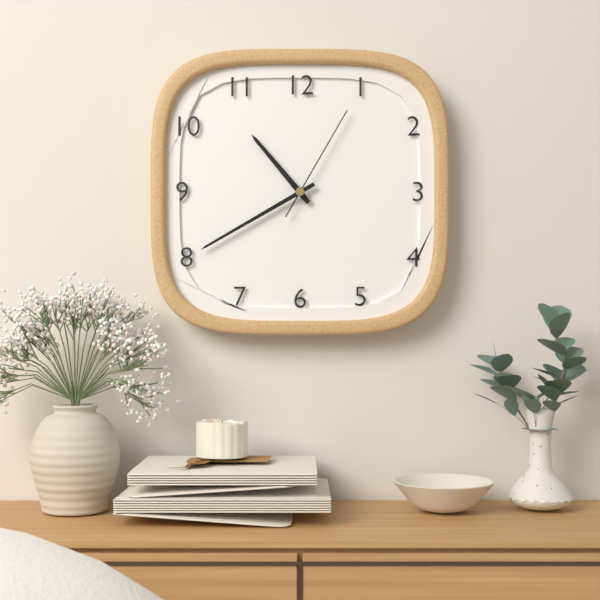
10:40:05
